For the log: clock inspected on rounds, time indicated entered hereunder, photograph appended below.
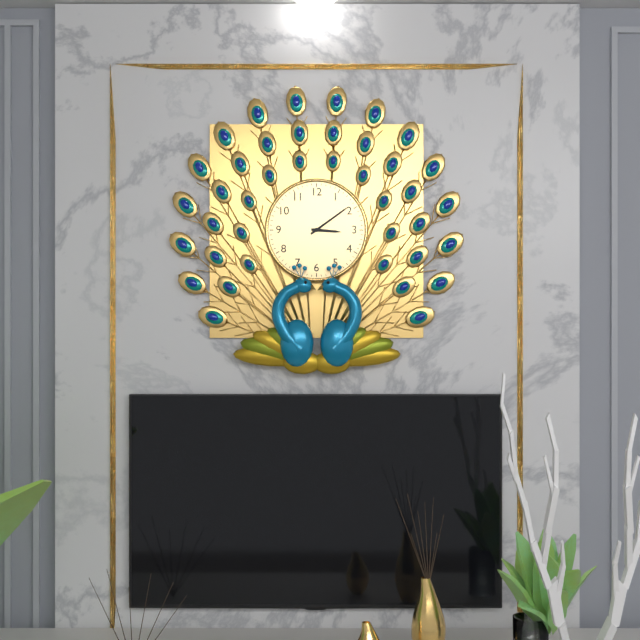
3:09
